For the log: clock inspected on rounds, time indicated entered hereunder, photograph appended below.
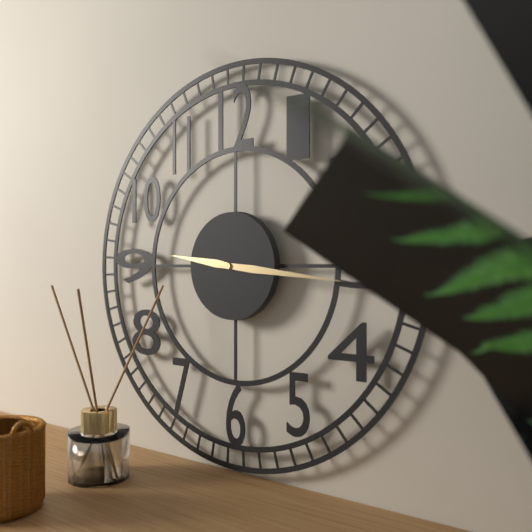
9:16
